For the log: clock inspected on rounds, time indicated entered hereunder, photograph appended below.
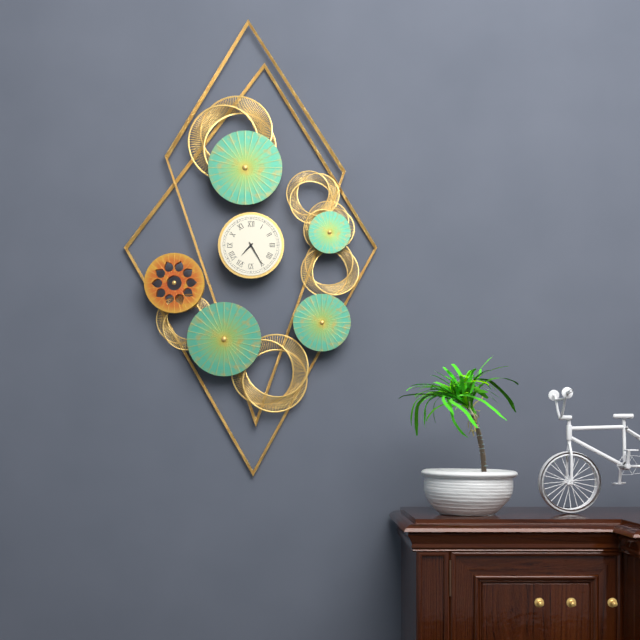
7:25
